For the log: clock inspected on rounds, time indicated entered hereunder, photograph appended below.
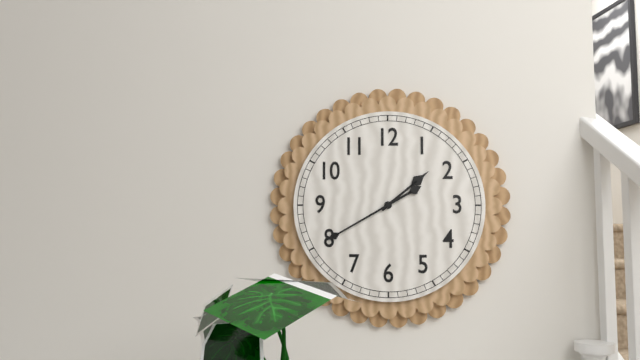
1:40
